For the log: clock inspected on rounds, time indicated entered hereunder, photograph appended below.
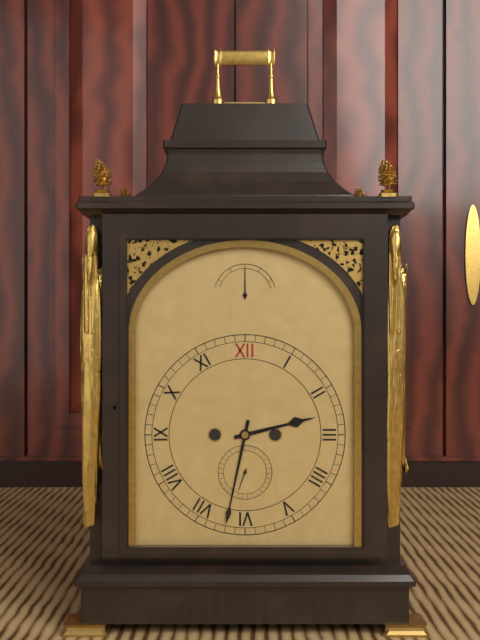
2:32
